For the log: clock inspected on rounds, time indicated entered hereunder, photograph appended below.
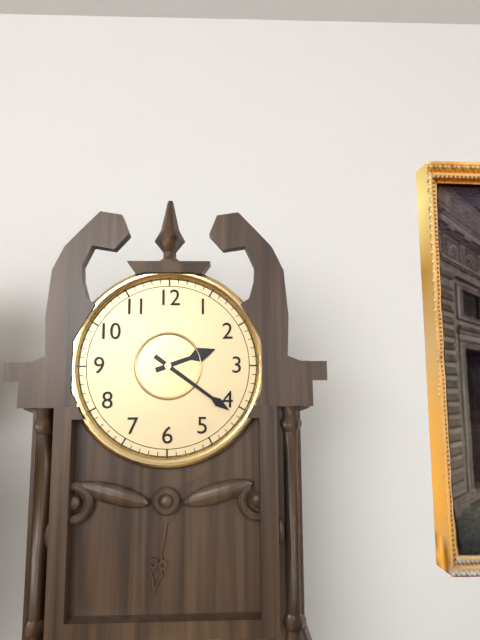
2:21
